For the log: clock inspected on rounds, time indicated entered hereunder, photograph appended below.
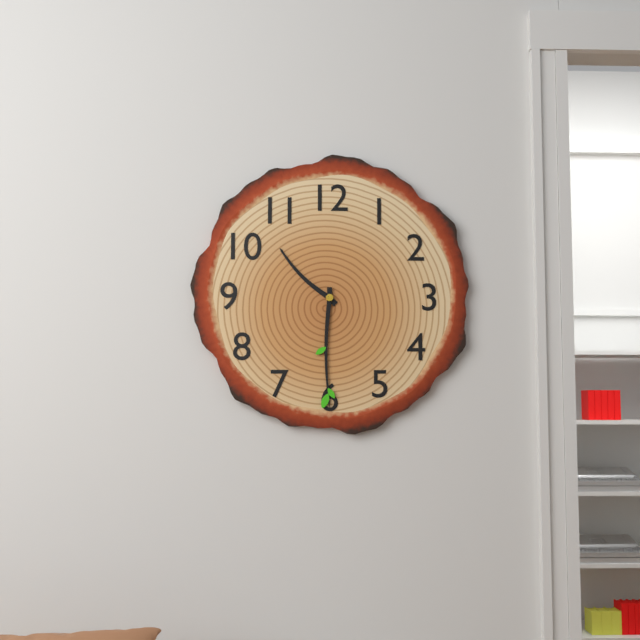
10:30
